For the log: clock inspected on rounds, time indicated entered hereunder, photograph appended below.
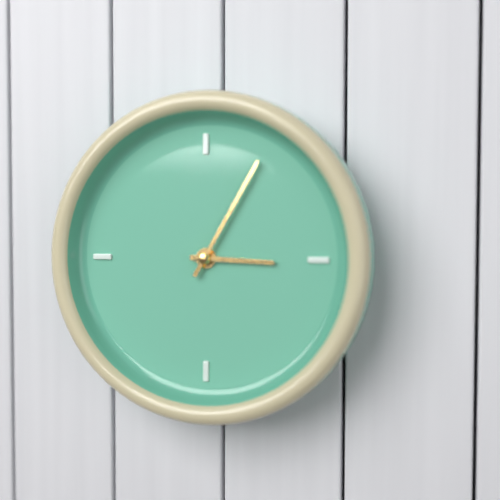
3:05
